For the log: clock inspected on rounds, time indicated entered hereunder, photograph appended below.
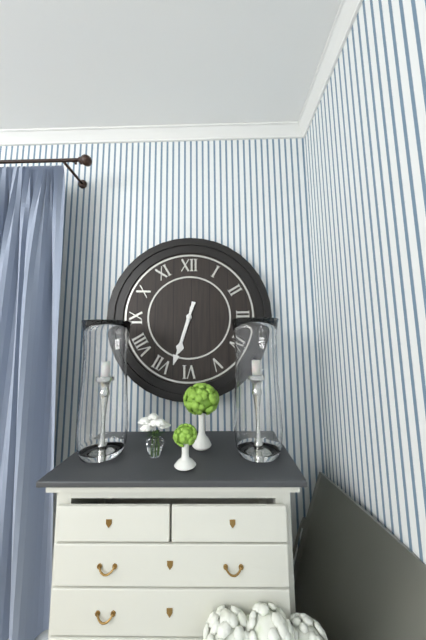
6:33
